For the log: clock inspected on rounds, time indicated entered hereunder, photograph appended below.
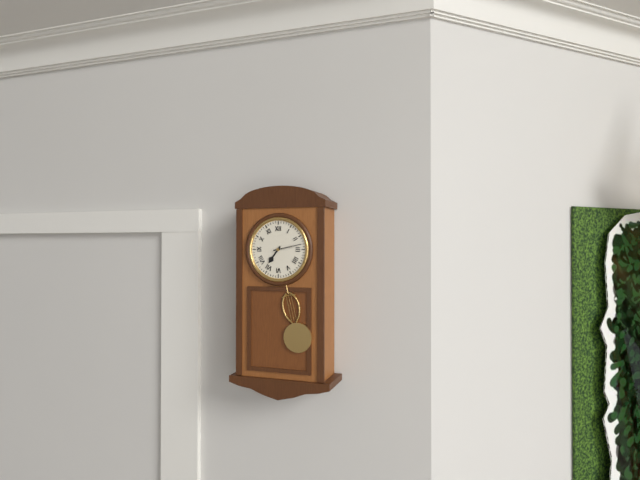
7:13
